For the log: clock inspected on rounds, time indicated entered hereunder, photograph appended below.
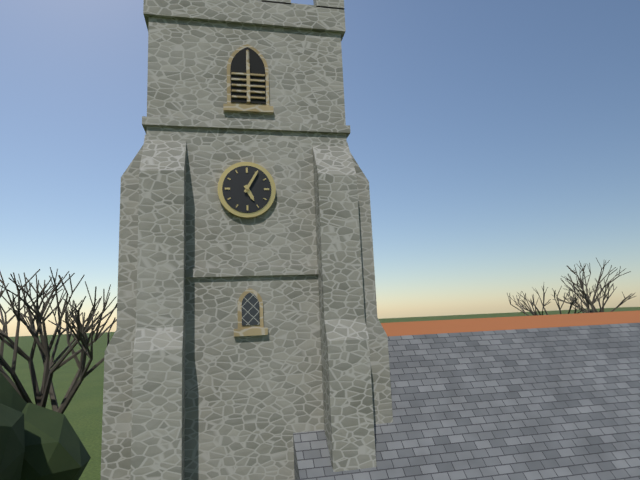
5:05
